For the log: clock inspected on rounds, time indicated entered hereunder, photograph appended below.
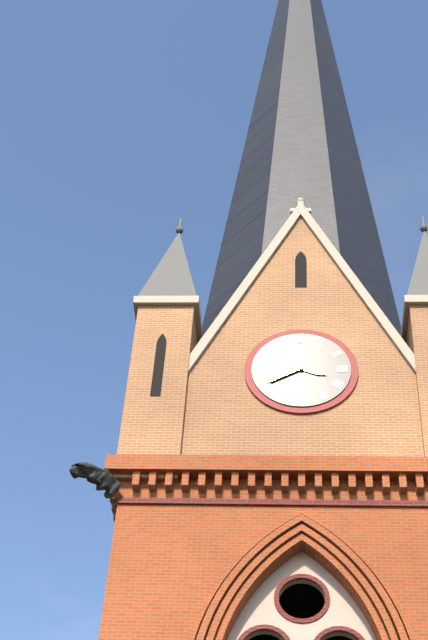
3:40
